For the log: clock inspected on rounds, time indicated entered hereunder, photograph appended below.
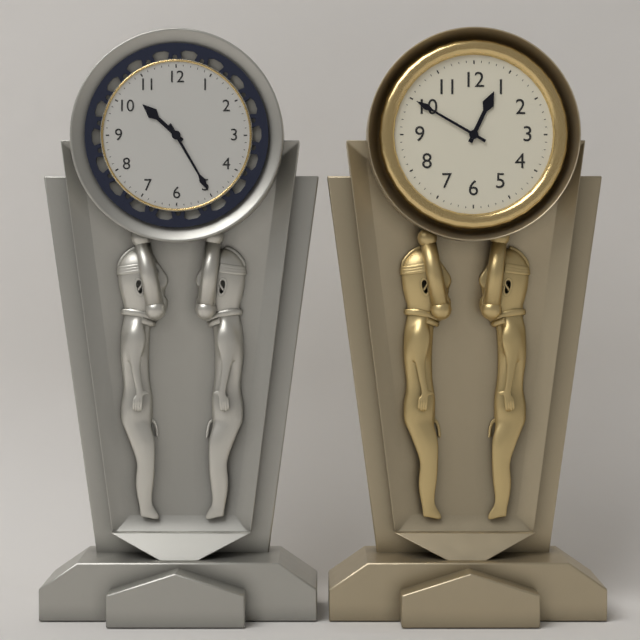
12:50
